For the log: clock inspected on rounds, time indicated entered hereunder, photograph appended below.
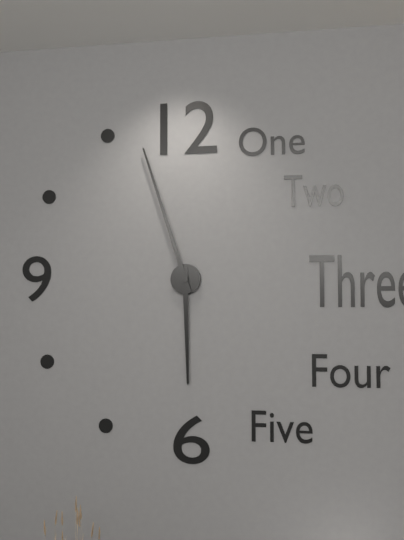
5:57
